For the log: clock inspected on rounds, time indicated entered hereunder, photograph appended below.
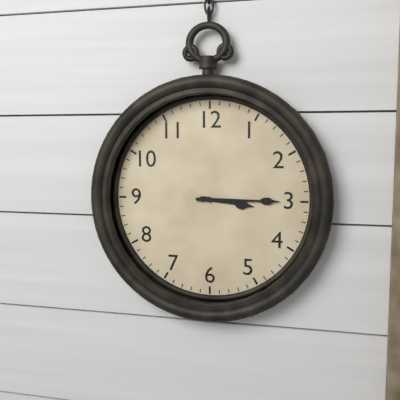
3:15
